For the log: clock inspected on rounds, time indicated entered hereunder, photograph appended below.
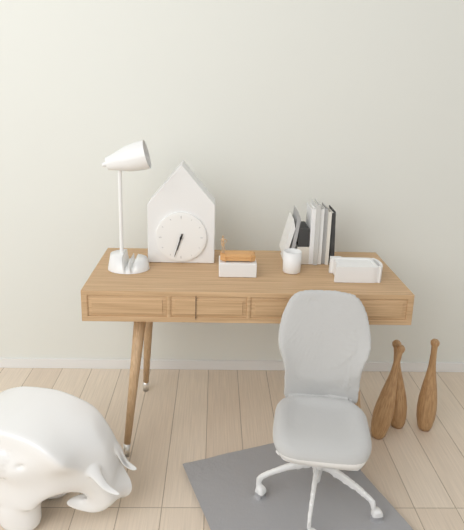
6:33
